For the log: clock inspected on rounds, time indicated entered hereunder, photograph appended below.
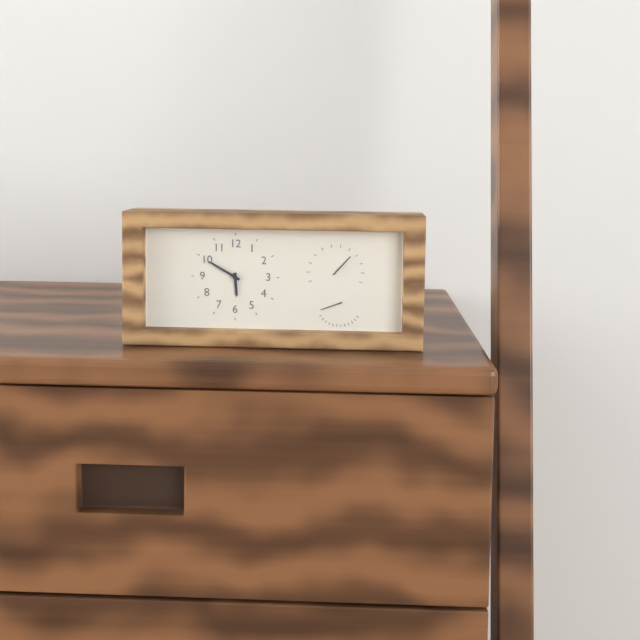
5:50
